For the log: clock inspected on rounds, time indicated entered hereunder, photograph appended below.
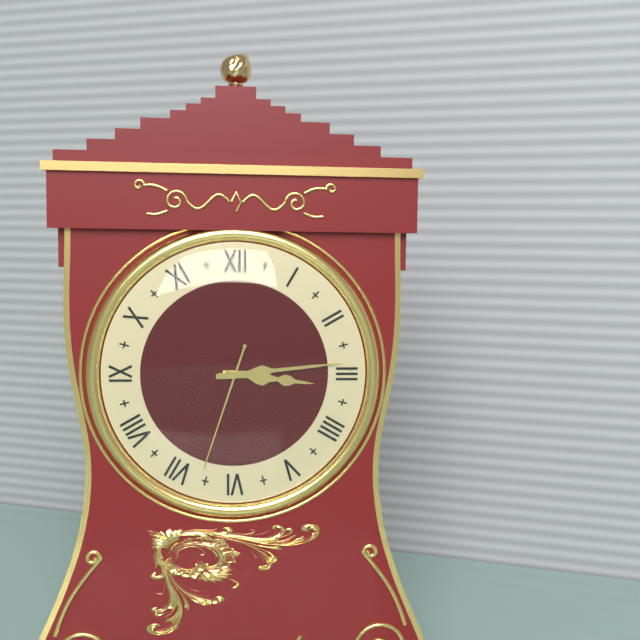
3:14:33
